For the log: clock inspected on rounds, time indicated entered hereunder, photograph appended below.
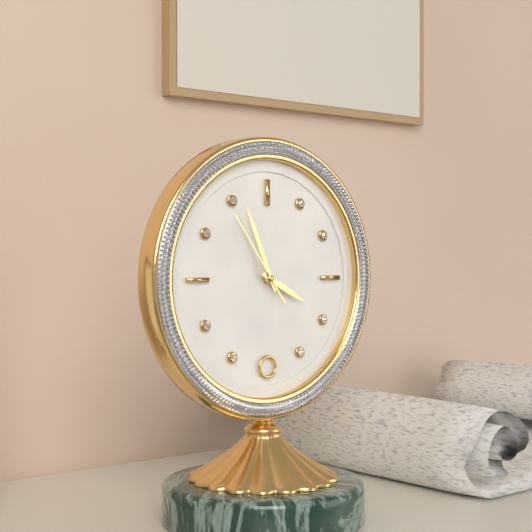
3:56:54
